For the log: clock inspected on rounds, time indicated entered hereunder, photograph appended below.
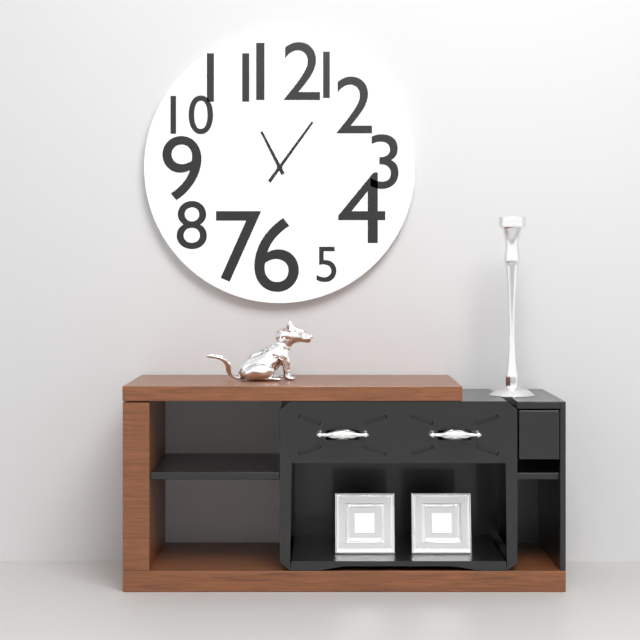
11:06
